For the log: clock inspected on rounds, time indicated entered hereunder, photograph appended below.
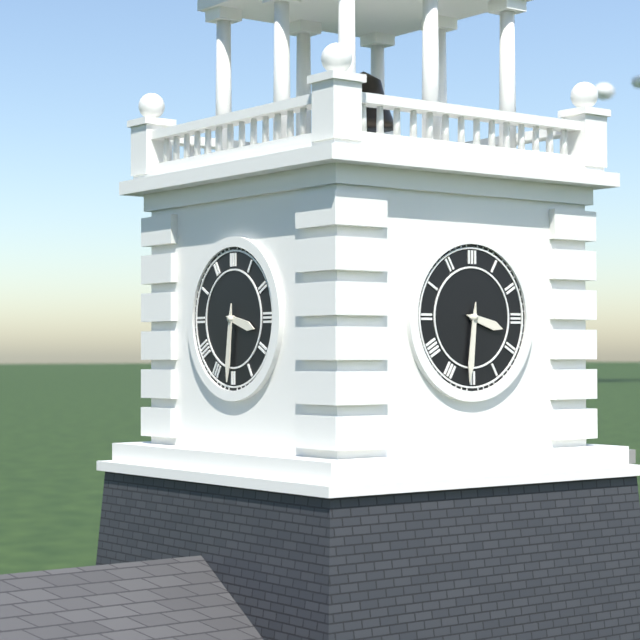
3:31
